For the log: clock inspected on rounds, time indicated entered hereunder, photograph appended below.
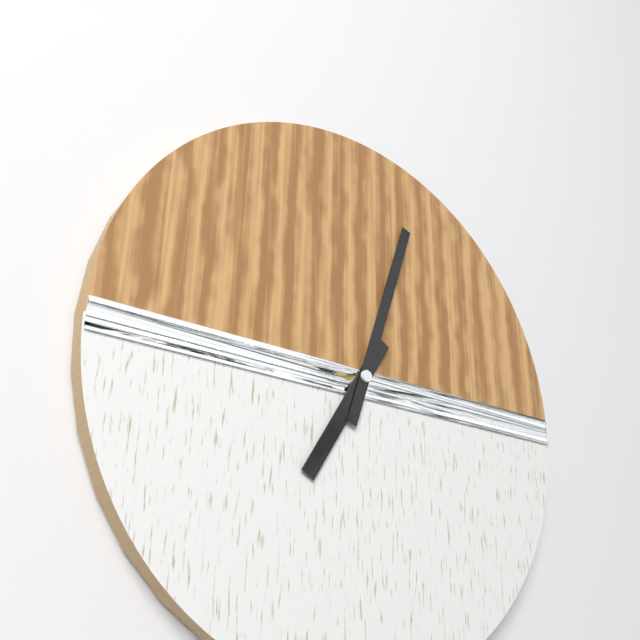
7:03
